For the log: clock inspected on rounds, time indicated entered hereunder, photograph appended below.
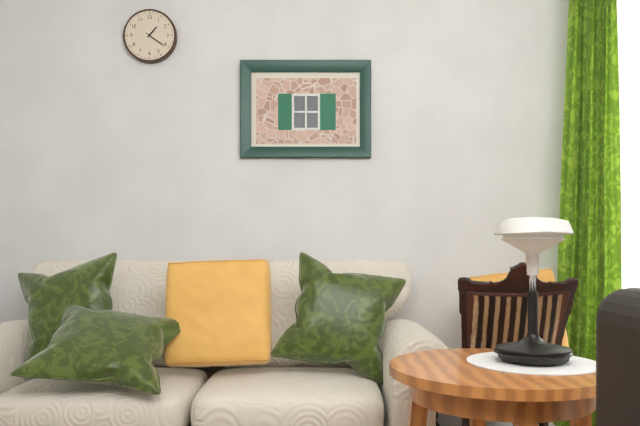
1:21
